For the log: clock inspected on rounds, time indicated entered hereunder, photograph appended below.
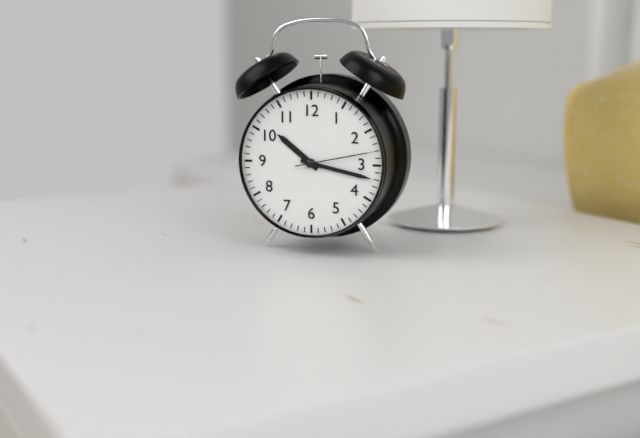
10:17:13
